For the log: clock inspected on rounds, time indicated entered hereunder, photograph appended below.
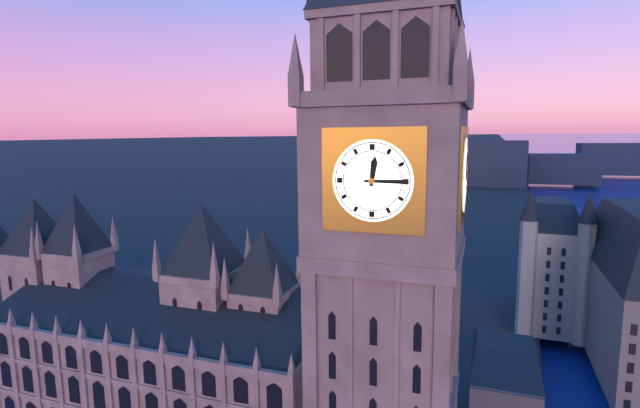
12:15
